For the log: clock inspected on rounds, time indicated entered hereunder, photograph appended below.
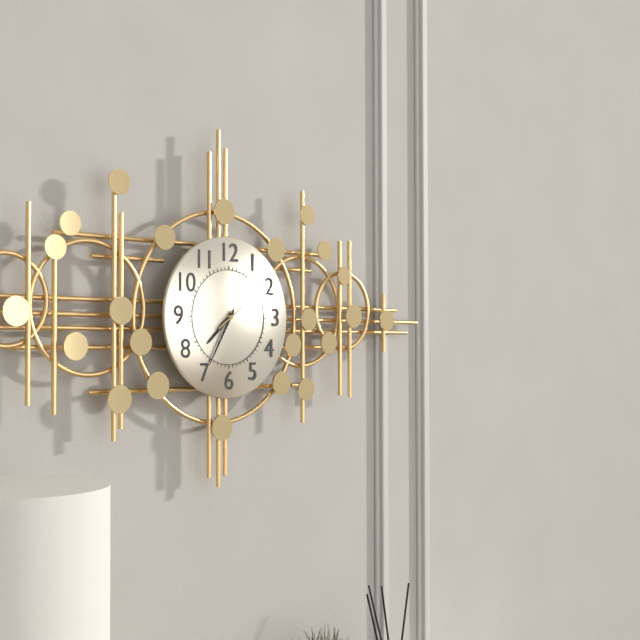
7:35:09
